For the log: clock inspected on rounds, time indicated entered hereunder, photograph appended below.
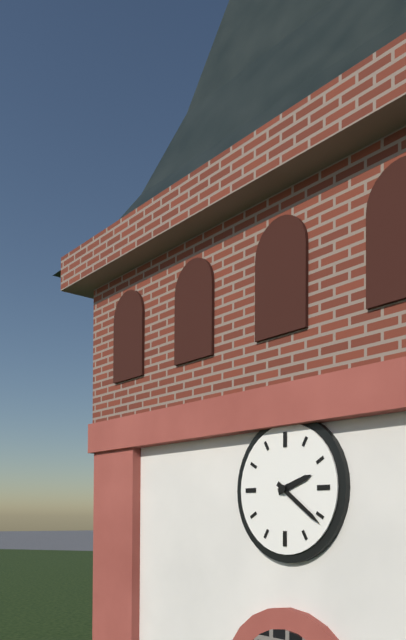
2:21
